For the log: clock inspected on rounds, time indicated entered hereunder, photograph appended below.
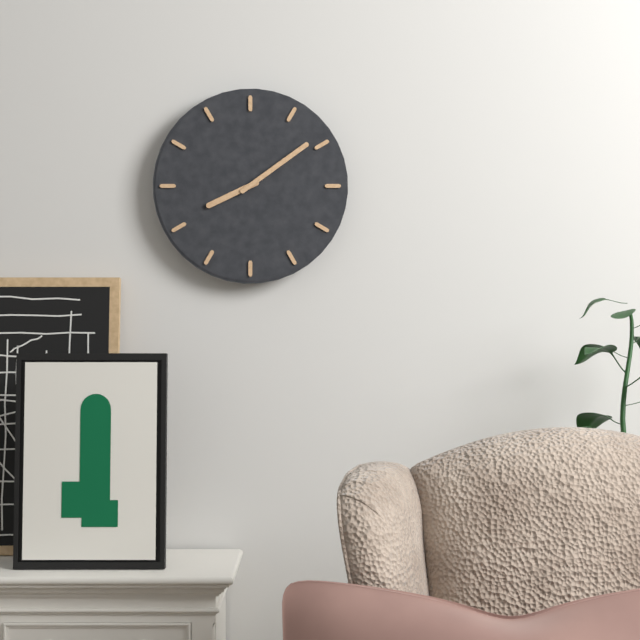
8:09
